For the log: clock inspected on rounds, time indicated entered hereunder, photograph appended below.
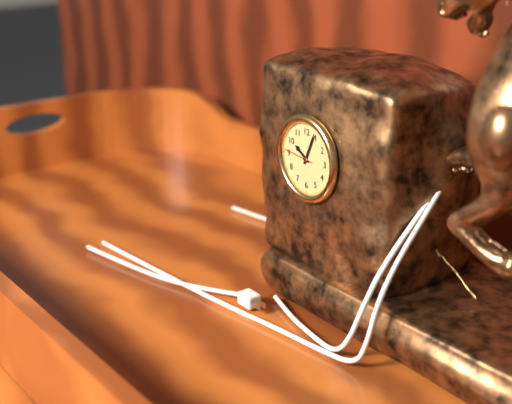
10:04
